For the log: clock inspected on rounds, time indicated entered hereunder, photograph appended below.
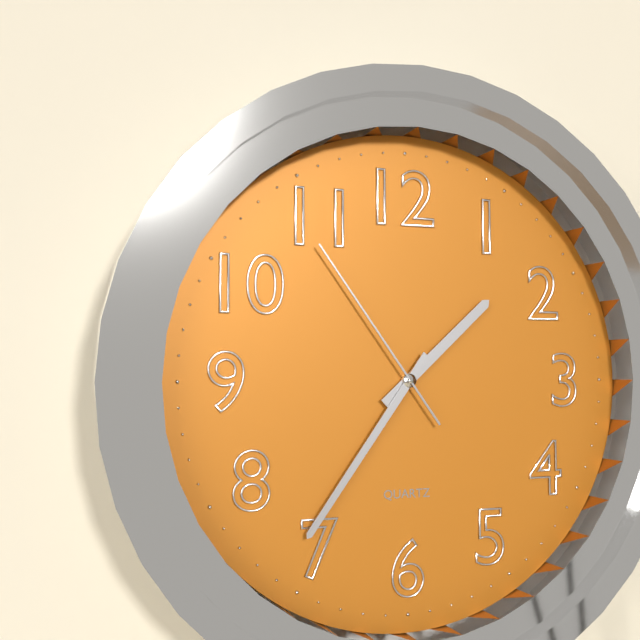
1:36:54
